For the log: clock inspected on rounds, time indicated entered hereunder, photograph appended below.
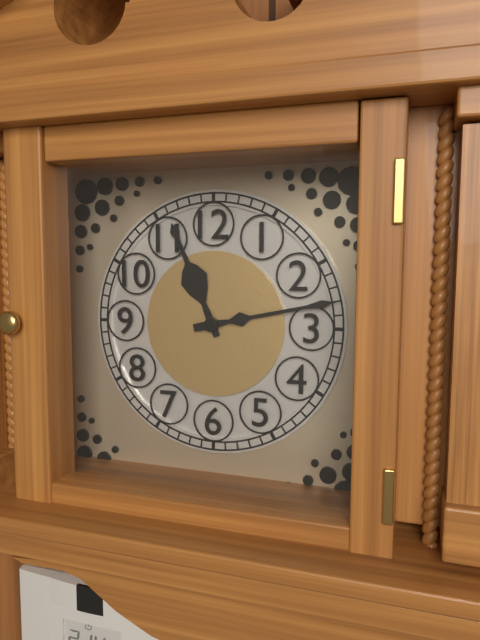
11:13
